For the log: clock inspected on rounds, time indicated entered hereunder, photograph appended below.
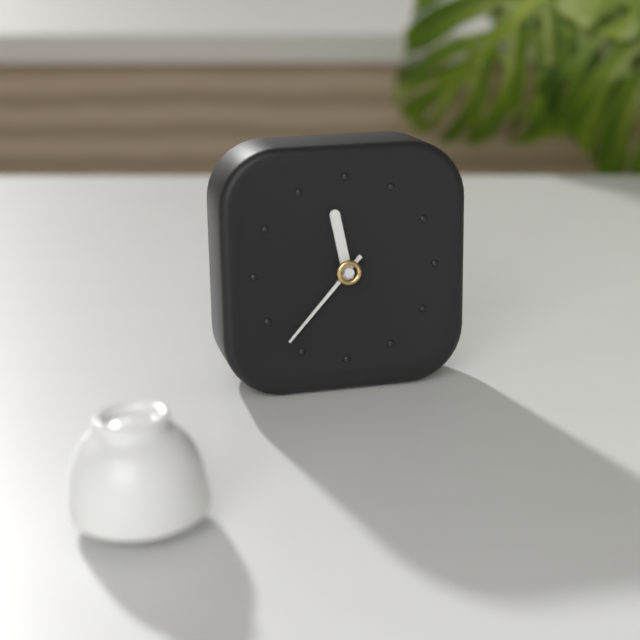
11:37
